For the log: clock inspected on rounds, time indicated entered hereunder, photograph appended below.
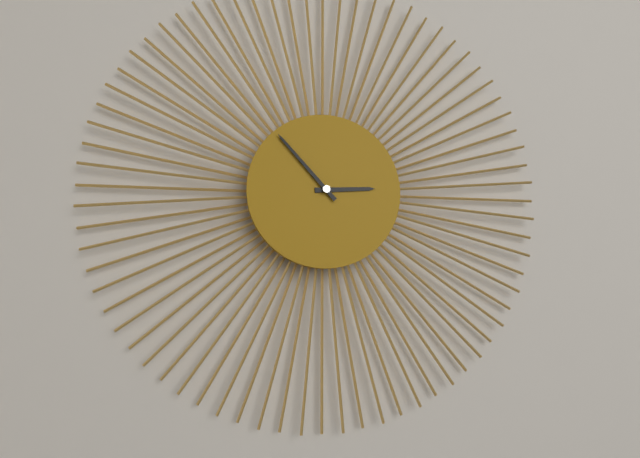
2:53
